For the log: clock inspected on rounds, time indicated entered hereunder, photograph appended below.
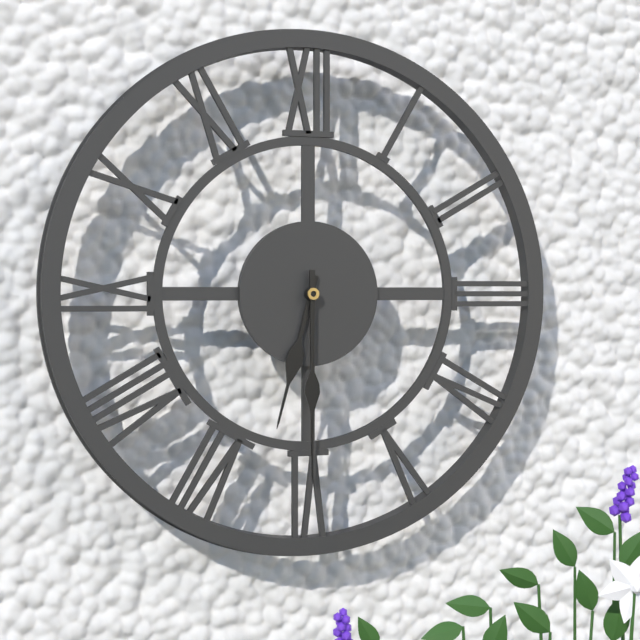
6:30
